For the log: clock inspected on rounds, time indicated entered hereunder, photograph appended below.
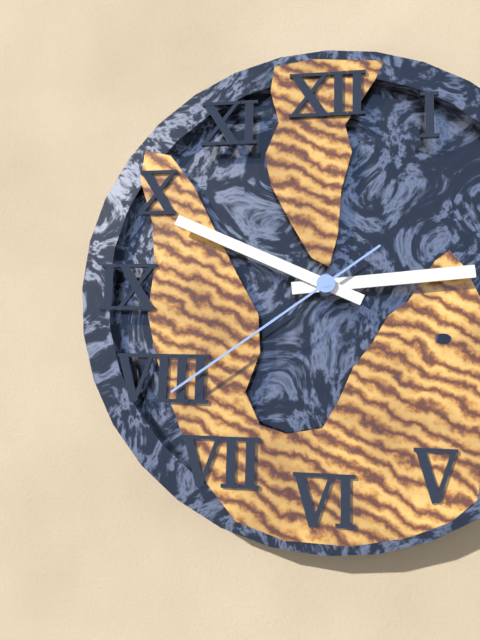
2:49:39
